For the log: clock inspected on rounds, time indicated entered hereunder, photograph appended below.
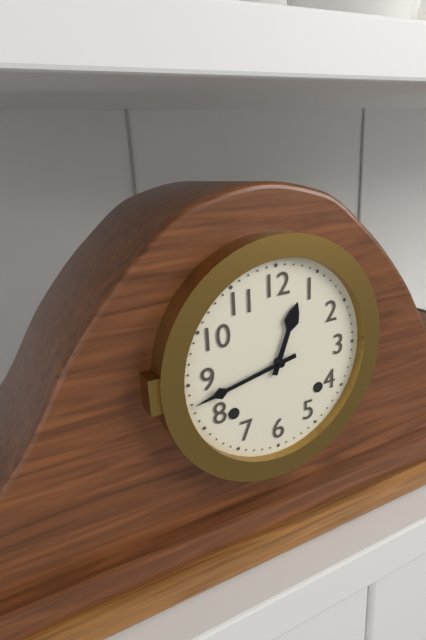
12:43
